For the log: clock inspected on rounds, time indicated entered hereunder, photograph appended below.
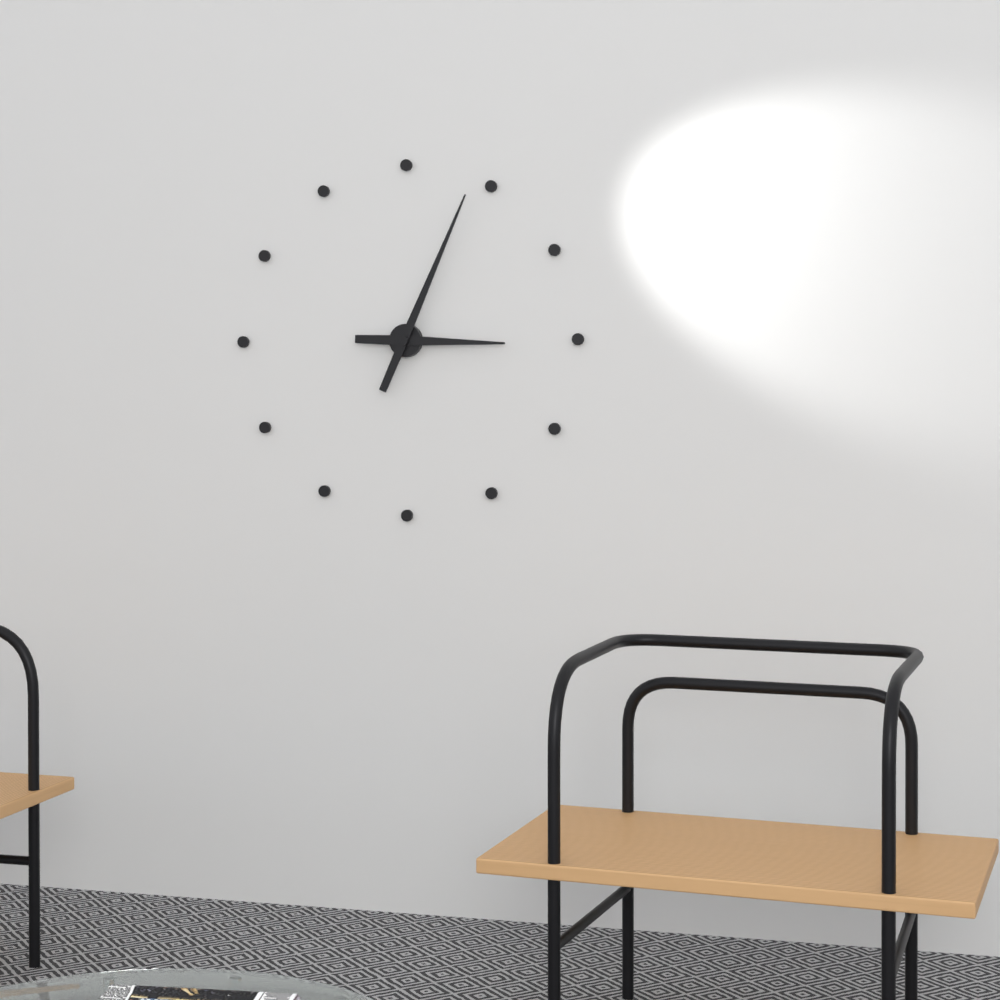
3:04
